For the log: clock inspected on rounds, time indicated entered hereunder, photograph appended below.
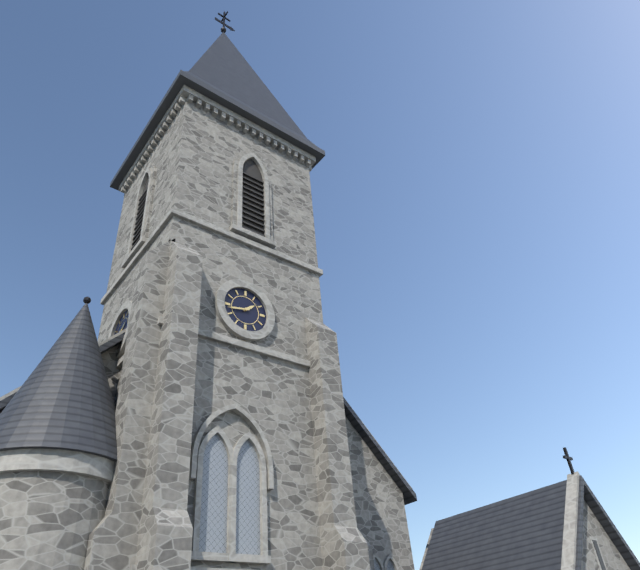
1:43
